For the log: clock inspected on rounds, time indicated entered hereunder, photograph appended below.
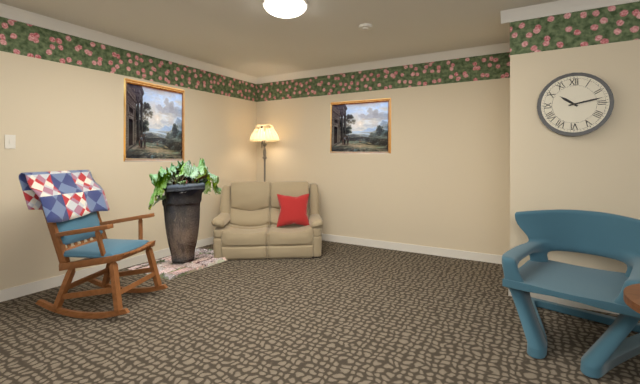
10:13
